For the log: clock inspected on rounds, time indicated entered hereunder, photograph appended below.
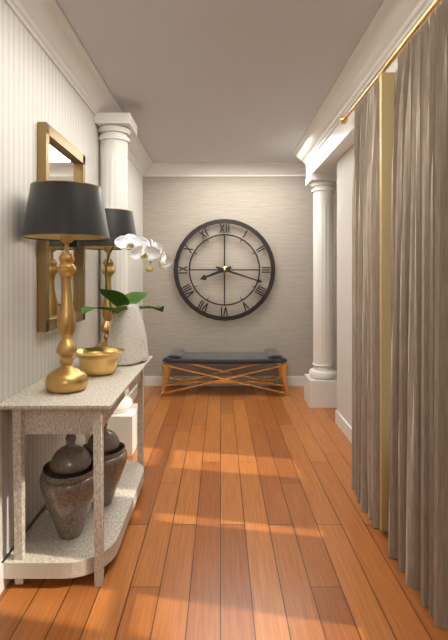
8:18
